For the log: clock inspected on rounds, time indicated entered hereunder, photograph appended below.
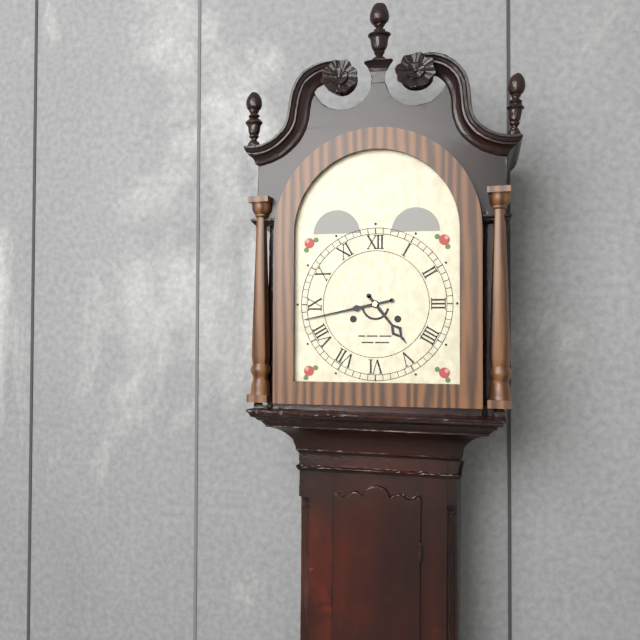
4:43
